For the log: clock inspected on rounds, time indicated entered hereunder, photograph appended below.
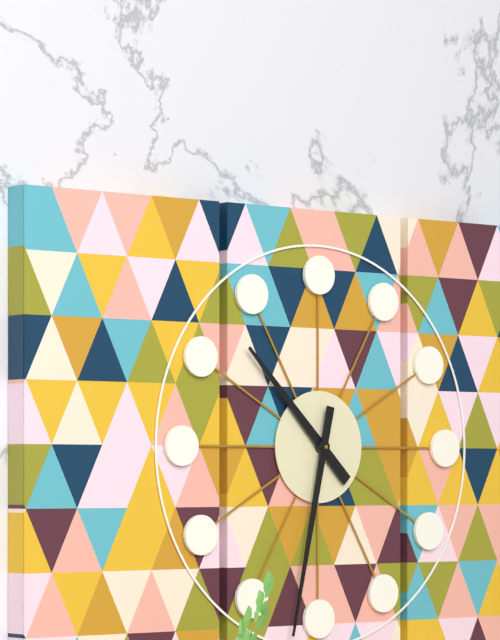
10:32
